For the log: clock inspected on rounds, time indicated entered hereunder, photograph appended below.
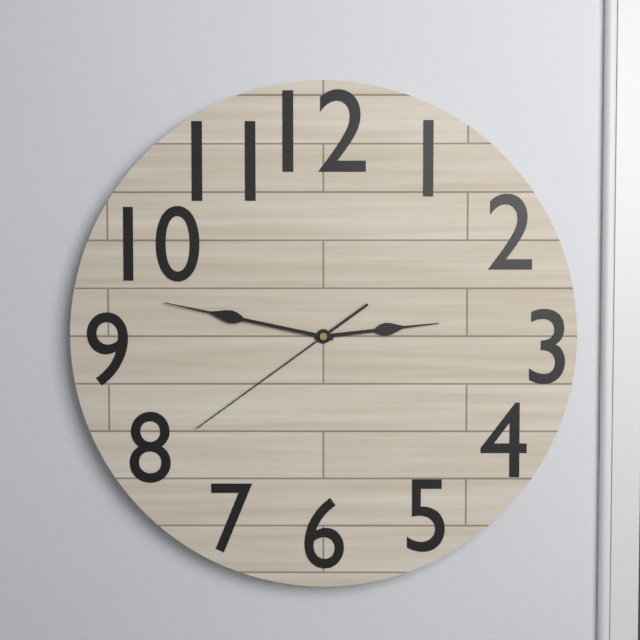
2:47:39
